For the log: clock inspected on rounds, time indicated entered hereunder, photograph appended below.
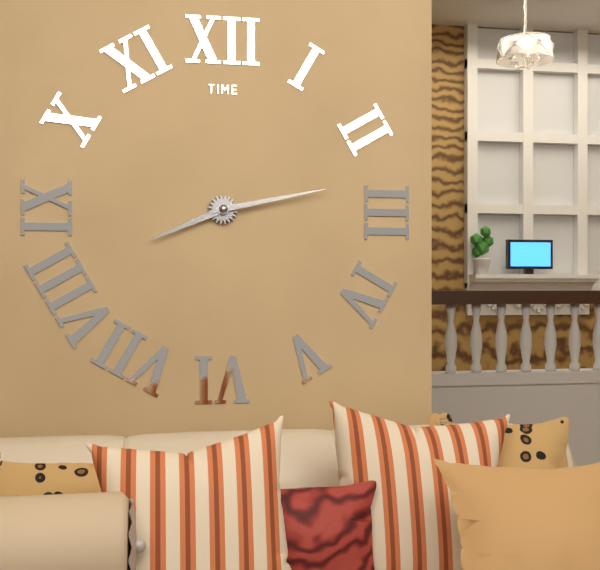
8:13
